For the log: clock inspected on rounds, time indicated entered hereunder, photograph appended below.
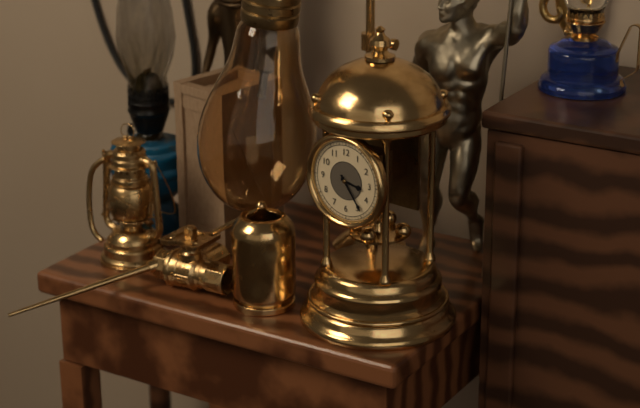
3:24
